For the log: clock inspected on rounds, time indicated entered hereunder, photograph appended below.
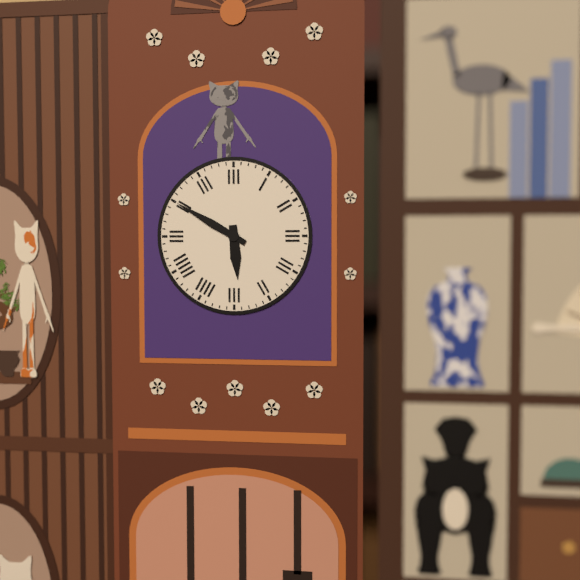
5:50
